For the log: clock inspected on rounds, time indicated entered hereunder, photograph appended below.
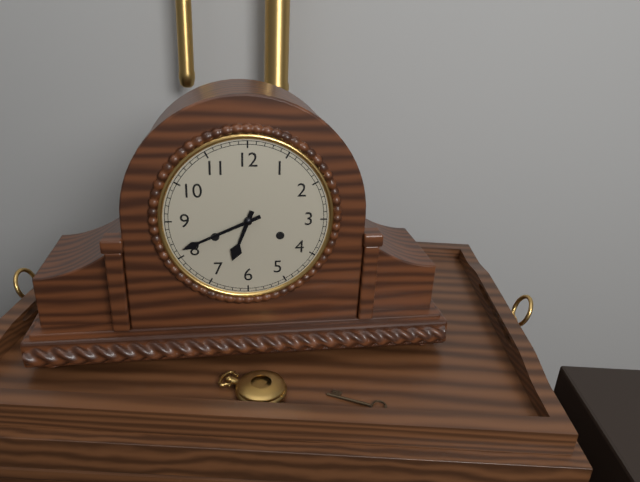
6:41
